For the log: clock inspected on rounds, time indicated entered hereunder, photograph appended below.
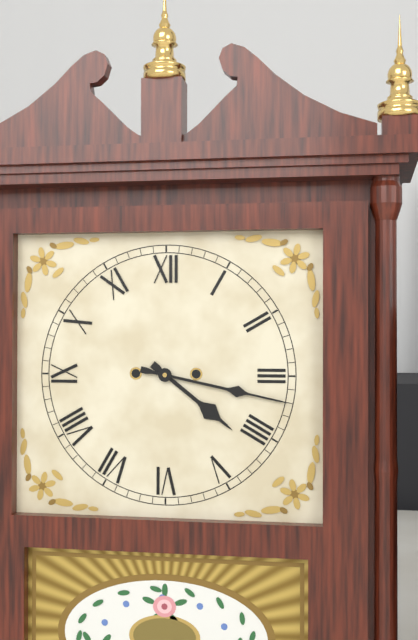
4:17
